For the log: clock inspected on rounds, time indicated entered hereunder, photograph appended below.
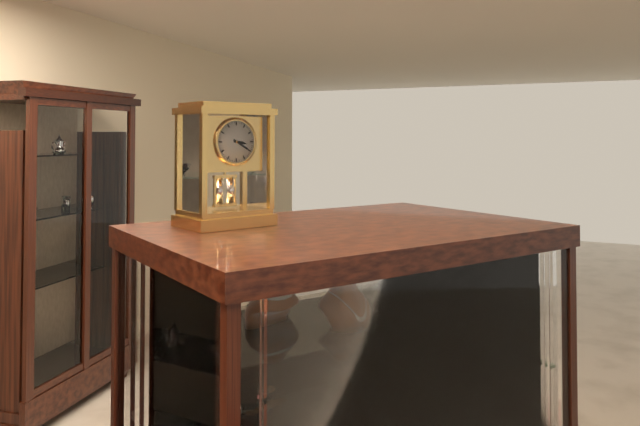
3:20
